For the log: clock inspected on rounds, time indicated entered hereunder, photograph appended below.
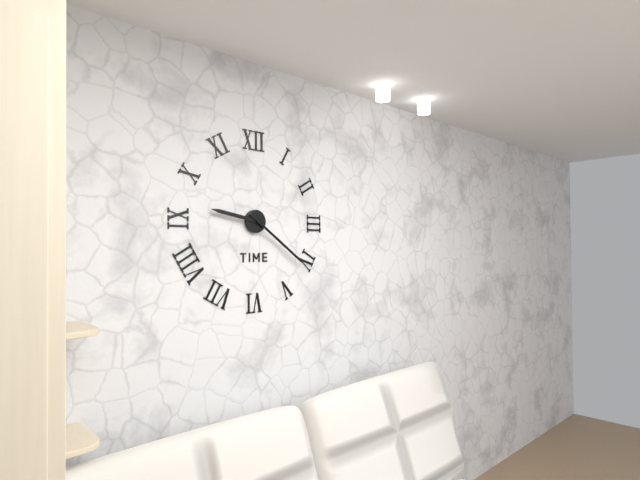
9:21
